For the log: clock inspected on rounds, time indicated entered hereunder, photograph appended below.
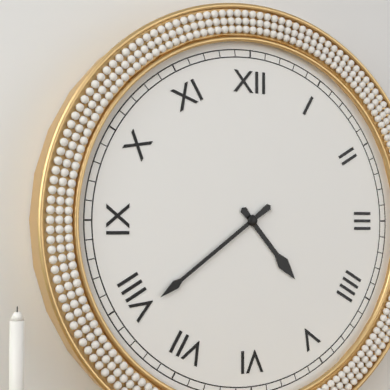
4:39
